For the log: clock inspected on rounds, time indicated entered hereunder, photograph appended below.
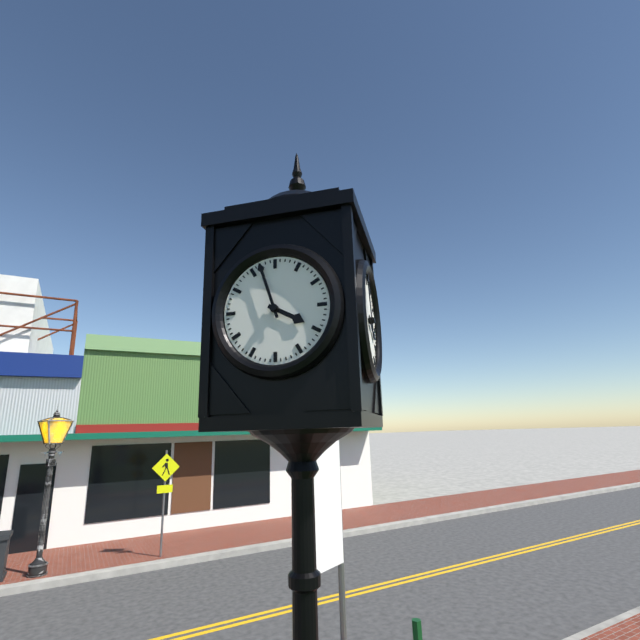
3:57
